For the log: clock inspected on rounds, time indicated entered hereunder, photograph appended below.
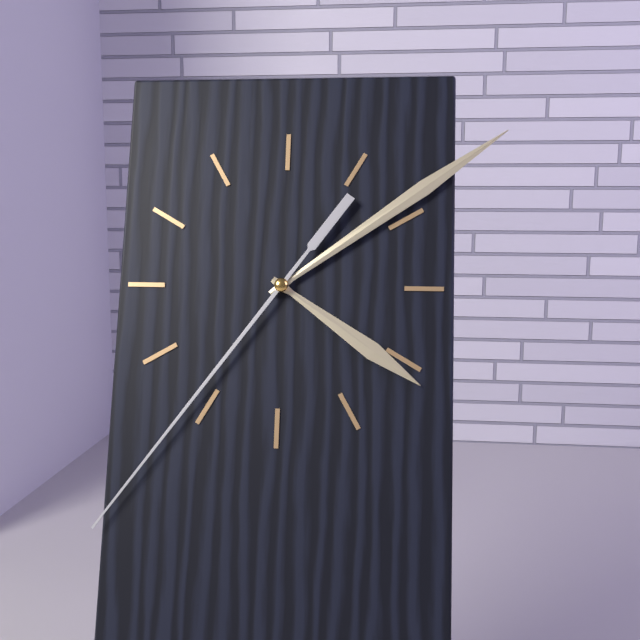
4:09:36
